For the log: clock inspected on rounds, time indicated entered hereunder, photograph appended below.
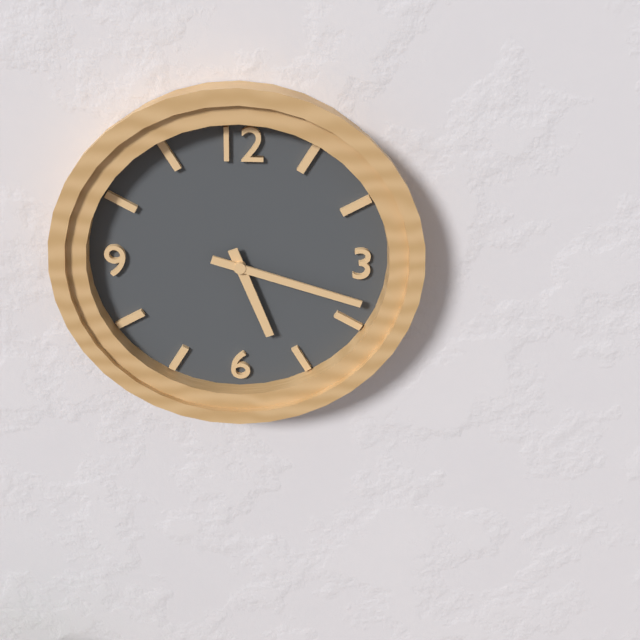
5:18
